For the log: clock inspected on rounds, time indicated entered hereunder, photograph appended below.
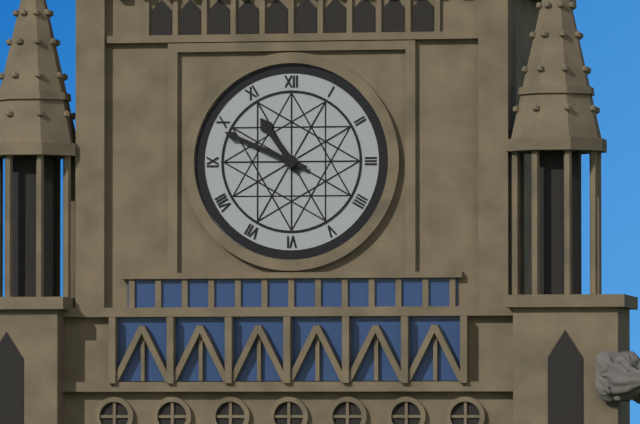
10:49
